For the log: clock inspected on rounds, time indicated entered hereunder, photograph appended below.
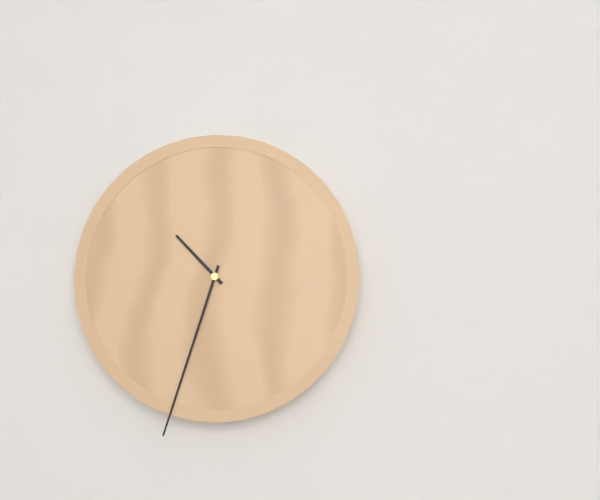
10:33
